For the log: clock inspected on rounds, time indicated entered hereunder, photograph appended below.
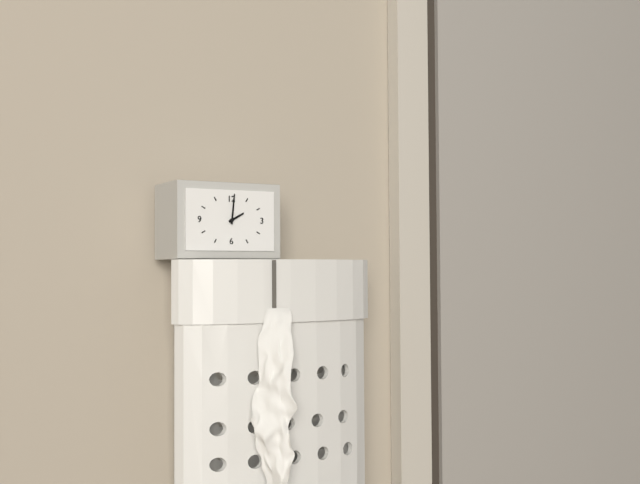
2:01
